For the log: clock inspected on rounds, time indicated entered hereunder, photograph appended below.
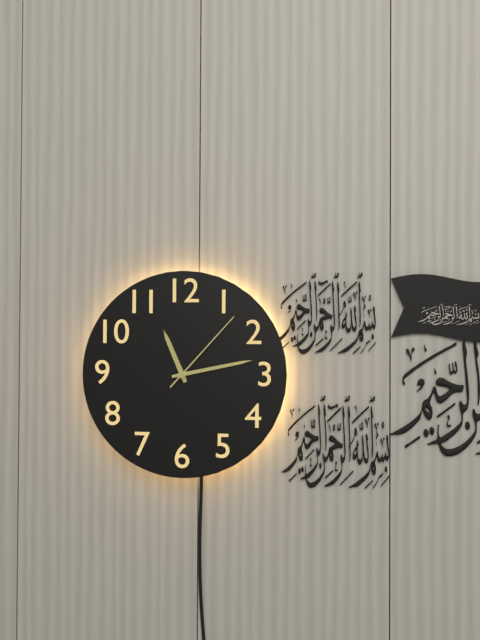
11:13:07
